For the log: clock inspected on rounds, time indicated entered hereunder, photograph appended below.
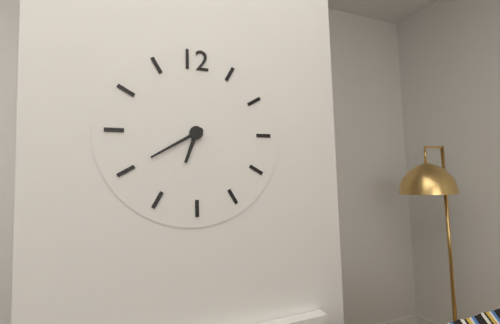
6:40
